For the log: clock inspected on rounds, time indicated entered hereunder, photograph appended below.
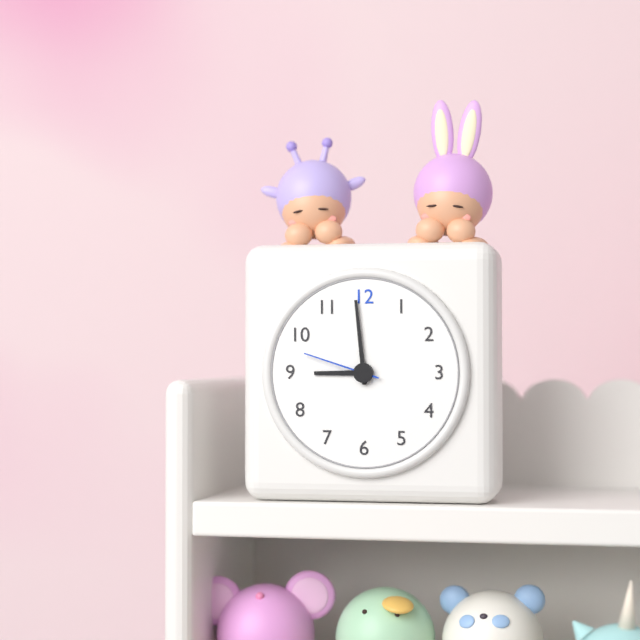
8:59:48
